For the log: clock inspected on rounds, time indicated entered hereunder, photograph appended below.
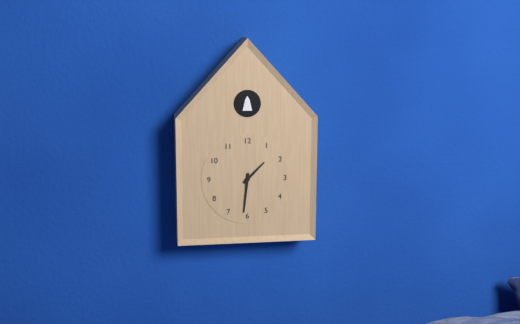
1:31
